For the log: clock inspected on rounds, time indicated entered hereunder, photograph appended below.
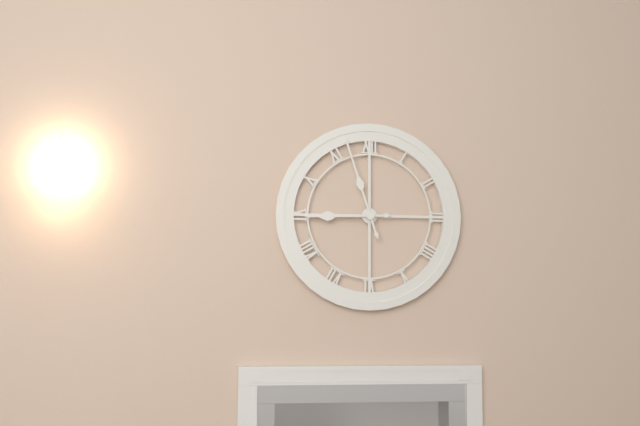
8:57
